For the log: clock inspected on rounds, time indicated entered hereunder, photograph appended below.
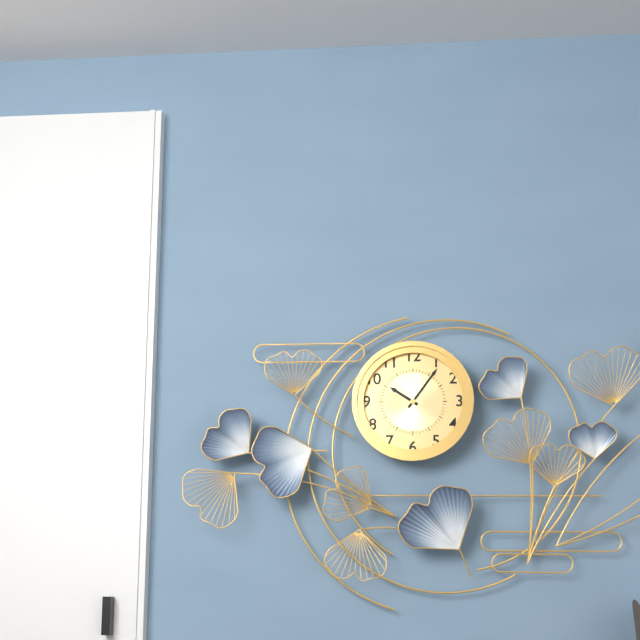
10:06
